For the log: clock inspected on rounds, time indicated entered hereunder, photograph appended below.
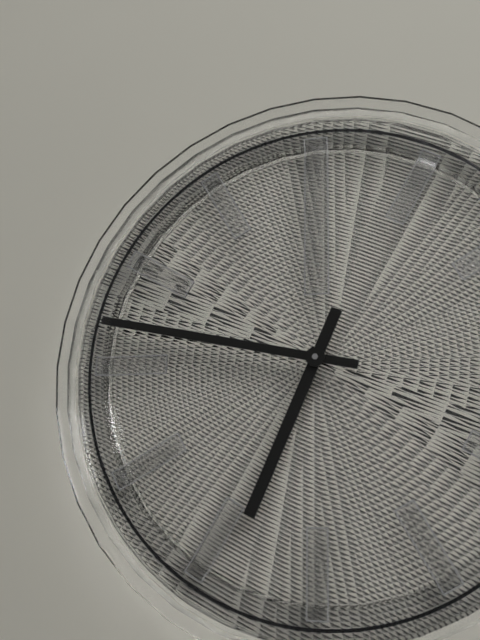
6:47
